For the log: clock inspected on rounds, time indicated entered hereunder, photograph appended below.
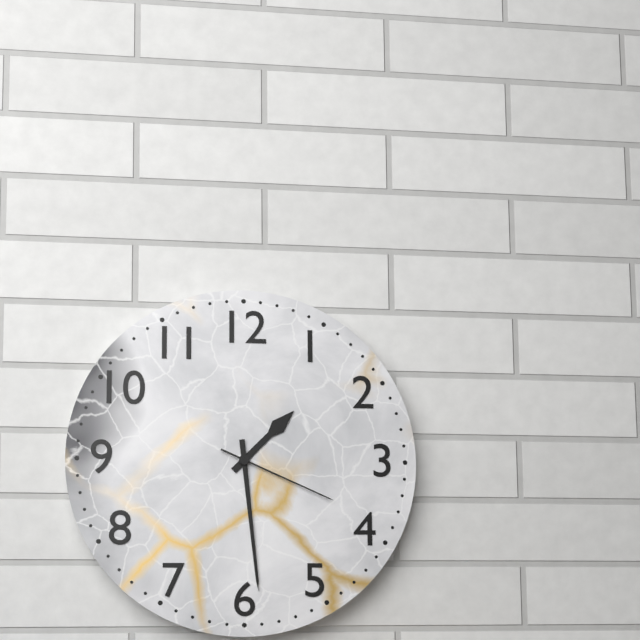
1:29:19
